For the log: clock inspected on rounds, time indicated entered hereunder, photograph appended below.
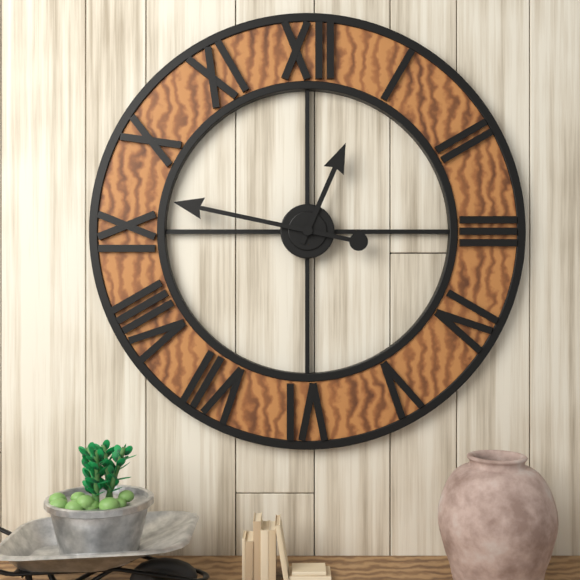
12:47
